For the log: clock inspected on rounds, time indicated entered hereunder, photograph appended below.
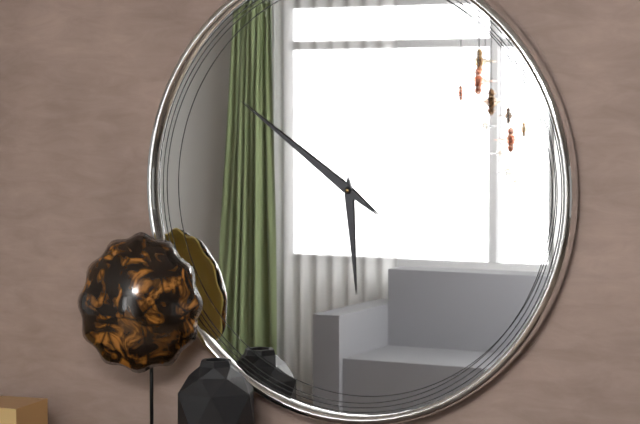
5:51
